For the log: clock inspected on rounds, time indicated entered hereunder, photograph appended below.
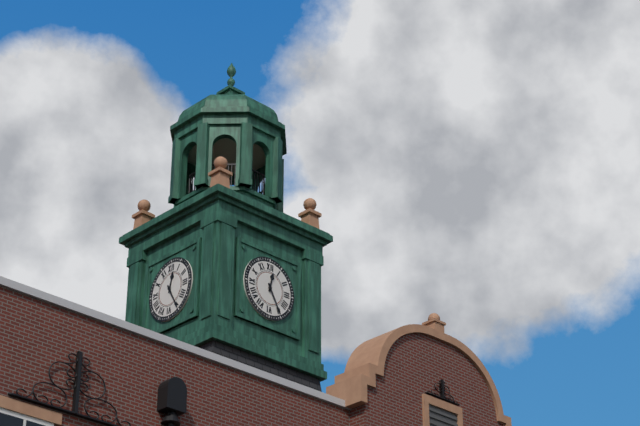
12:25
